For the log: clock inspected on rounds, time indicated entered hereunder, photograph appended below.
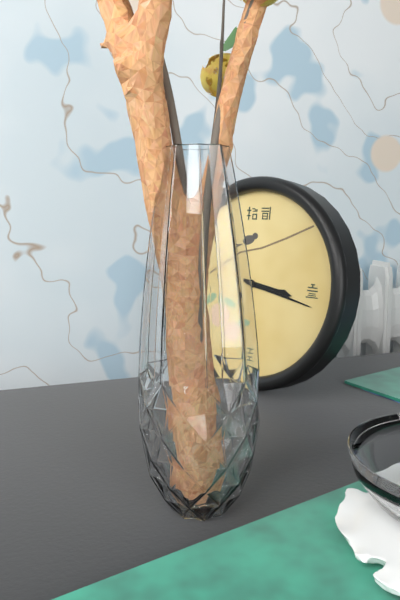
3:17
